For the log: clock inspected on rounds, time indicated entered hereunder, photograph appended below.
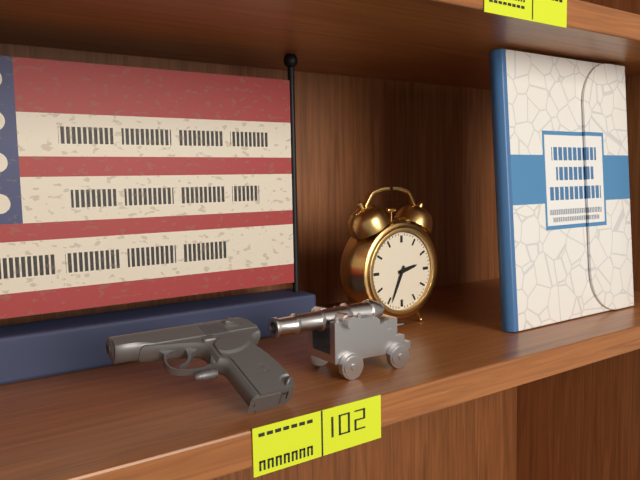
2:34
